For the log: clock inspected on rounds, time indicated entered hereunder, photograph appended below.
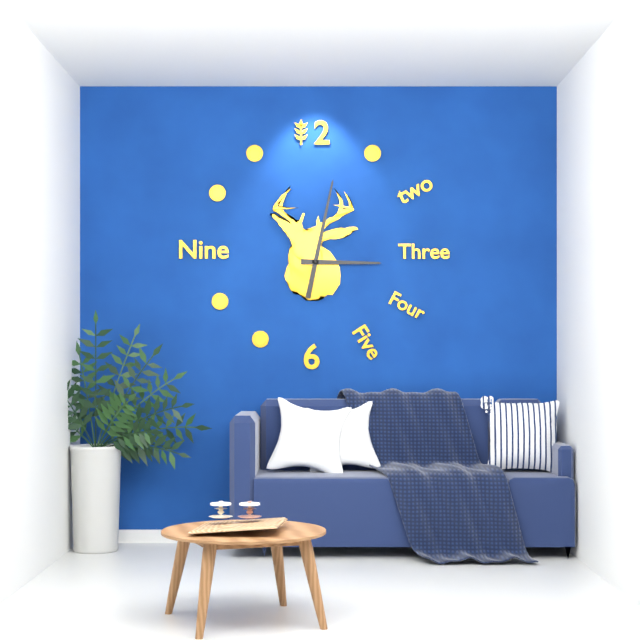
3:02
